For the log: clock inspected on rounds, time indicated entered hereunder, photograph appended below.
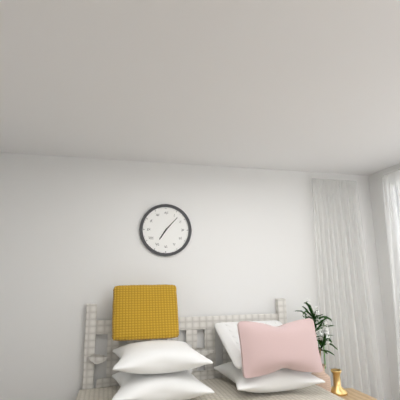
7:07
